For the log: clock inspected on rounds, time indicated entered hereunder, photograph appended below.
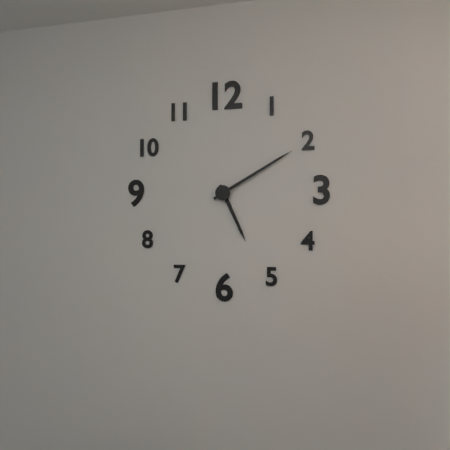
5:10
